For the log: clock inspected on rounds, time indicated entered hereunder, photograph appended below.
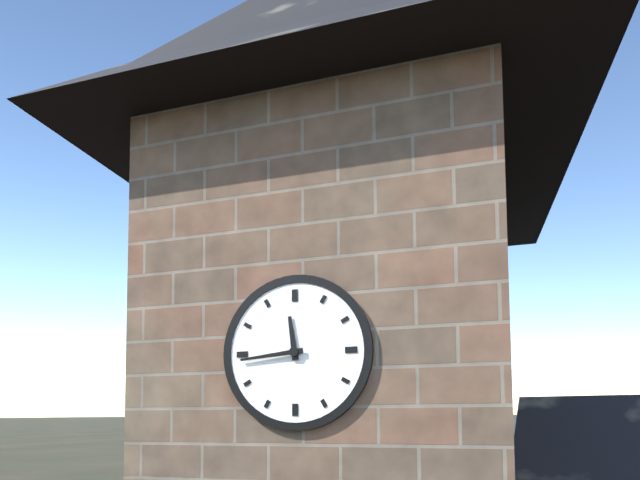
11:44
